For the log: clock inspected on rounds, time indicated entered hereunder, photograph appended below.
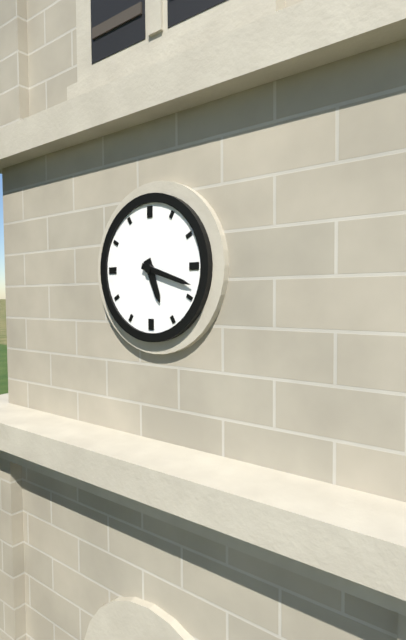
5:18
